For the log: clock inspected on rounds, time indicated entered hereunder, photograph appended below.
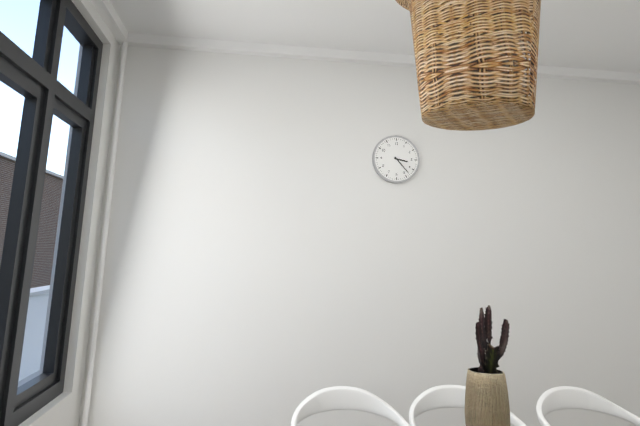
3:23
